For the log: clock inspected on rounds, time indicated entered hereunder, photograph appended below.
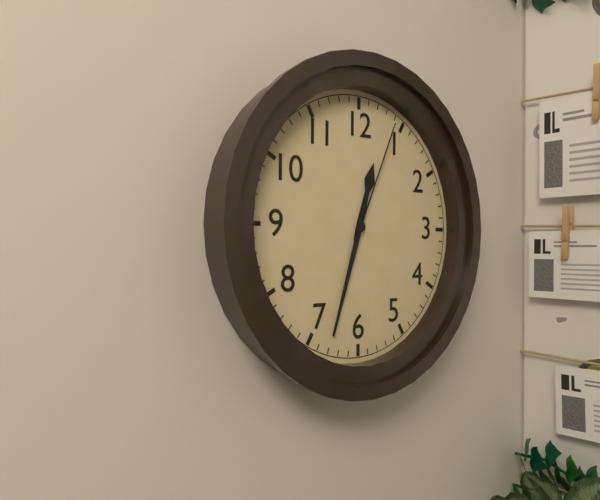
12:33:04
